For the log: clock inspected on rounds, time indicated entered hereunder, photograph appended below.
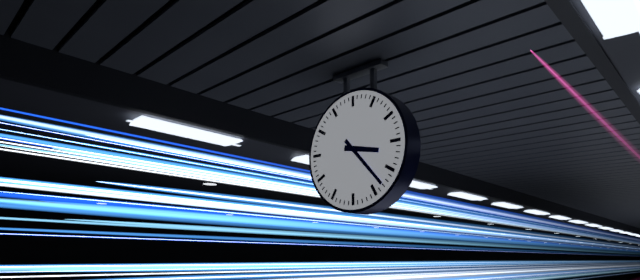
3:23
